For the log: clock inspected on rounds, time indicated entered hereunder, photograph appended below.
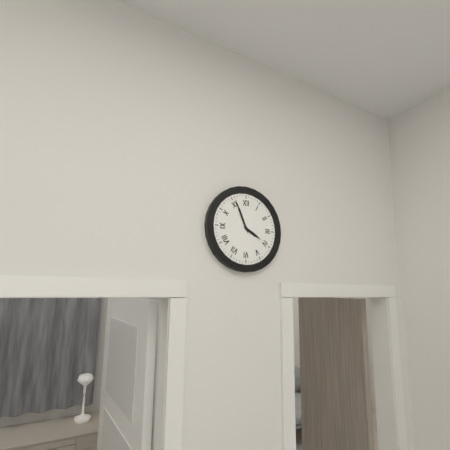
3:56
